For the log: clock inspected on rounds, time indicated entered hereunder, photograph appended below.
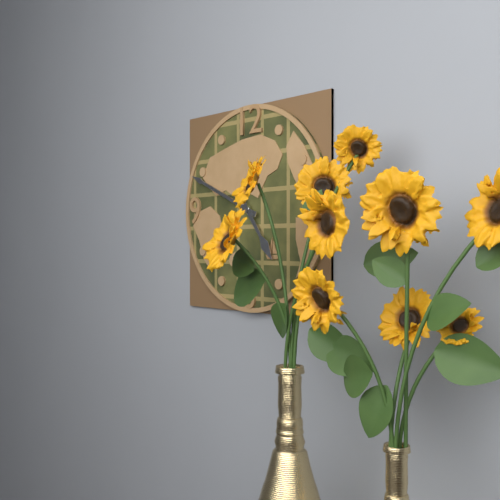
4:49
